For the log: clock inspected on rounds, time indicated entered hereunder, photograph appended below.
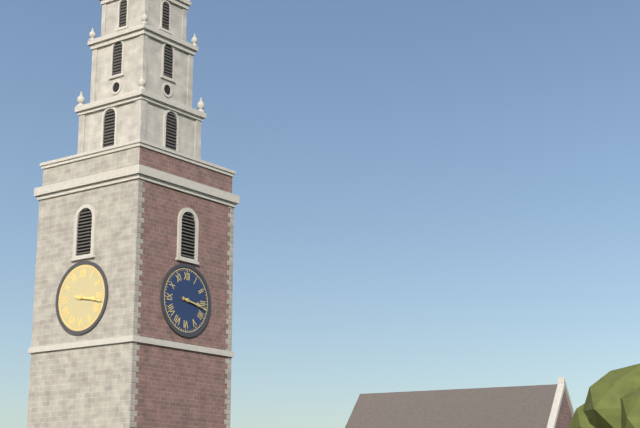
3:17
